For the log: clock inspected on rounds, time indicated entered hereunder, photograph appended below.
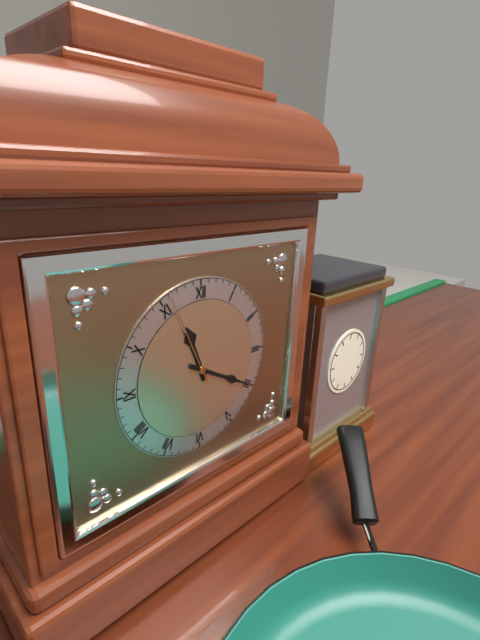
11:20:56
